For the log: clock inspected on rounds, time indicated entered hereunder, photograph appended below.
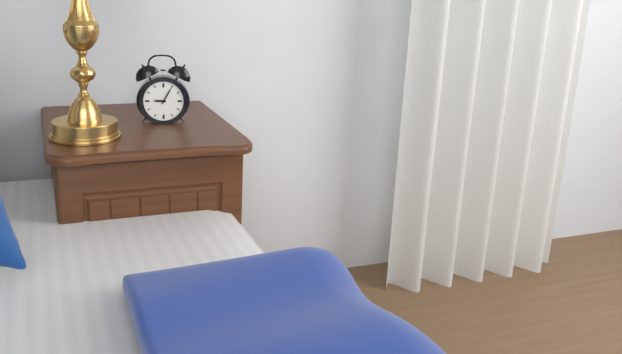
9:05
